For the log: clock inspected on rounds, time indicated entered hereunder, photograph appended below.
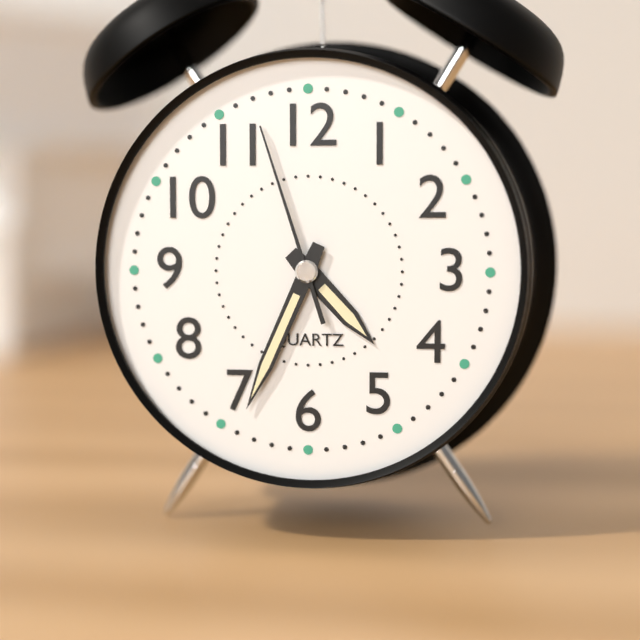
4:34:57
